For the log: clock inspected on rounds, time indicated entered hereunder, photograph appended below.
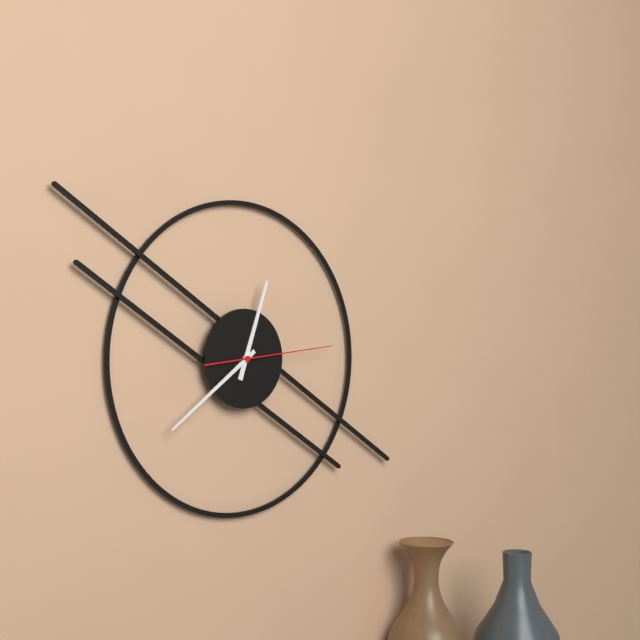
12:39:14
